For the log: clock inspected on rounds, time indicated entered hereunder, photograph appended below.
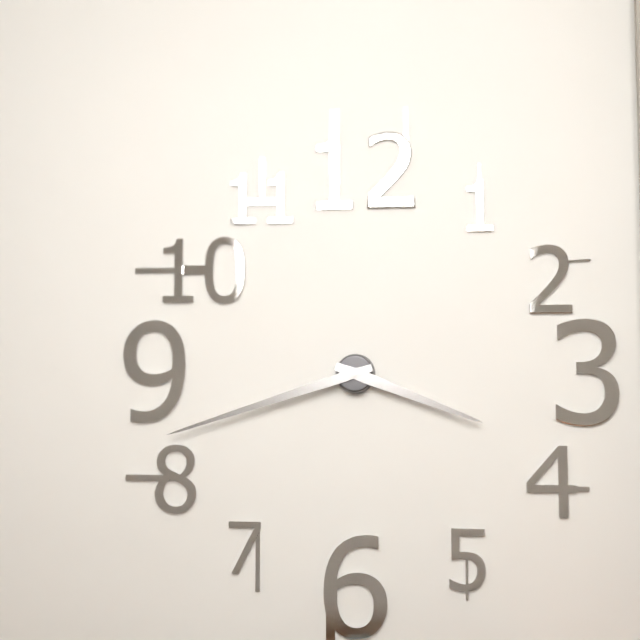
3:42
